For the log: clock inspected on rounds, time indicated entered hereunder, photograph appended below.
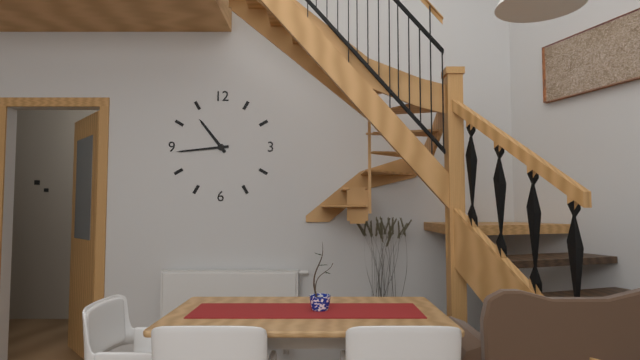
10:44
